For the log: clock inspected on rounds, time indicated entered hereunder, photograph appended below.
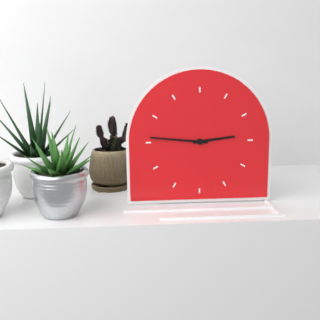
2:46
